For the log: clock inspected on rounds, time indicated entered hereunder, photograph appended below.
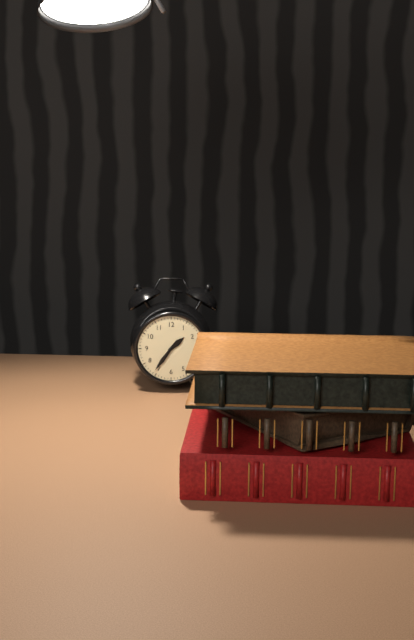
1:36
